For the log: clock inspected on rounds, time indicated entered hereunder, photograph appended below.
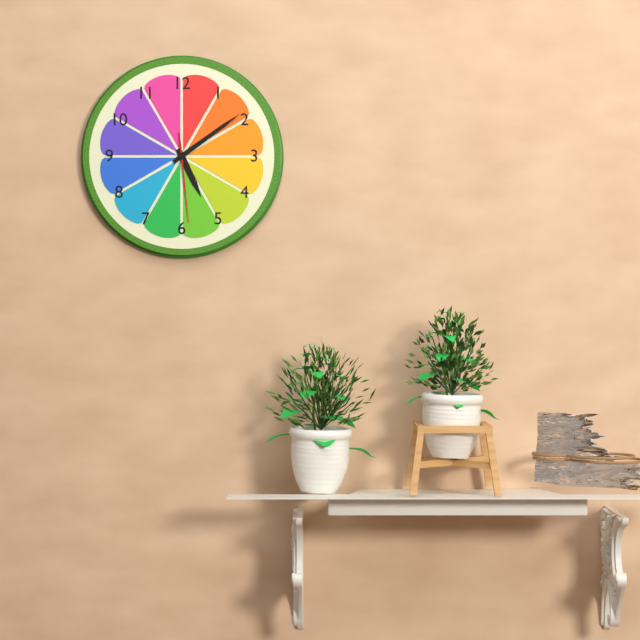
5:09:29
